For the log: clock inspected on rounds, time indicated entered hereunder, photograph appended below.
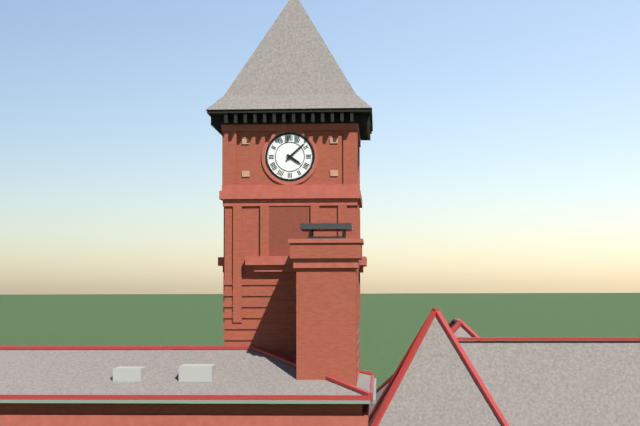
4:08
